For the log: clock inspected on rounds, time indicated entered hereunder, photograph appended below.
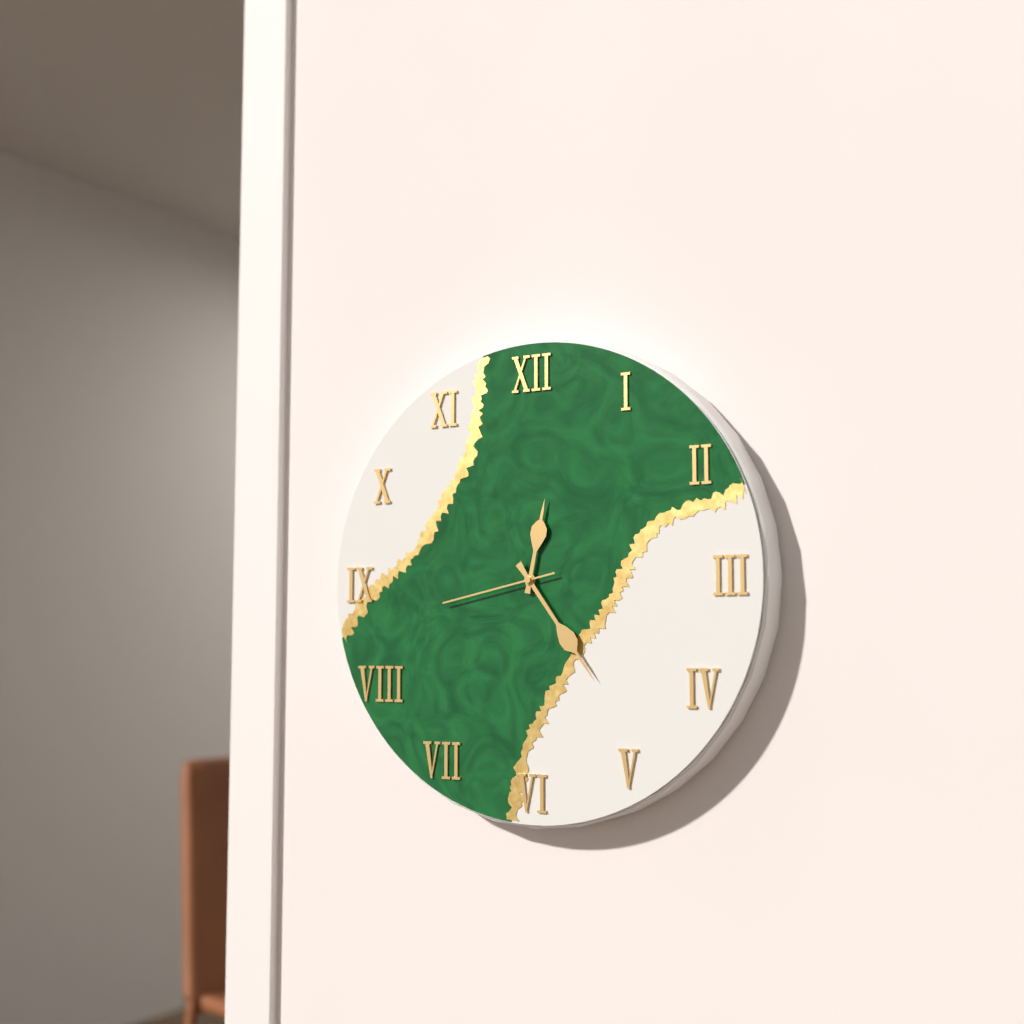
12:24:43
